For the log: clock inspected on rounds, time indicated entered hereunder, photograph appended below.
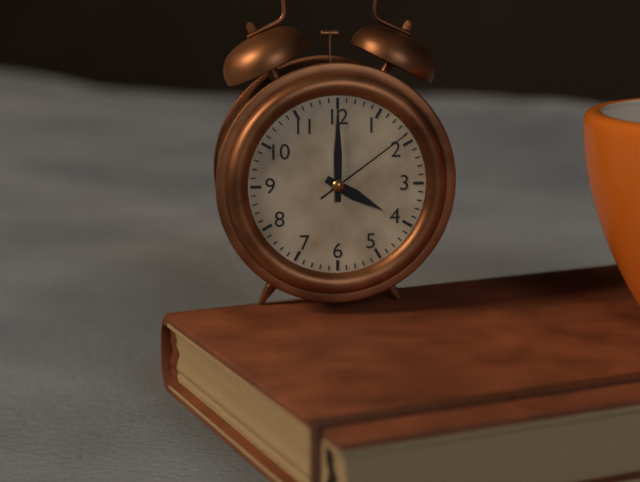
4:00:09
